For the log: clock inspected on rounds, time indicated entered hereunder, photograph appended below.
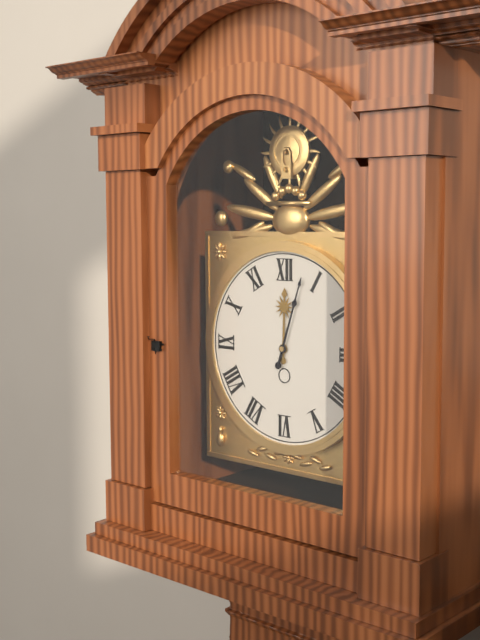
12:03
